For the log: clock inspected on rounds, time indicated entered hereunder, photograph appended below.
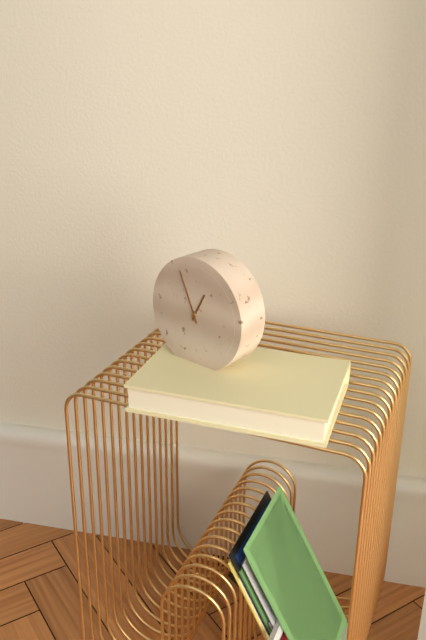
12:56
